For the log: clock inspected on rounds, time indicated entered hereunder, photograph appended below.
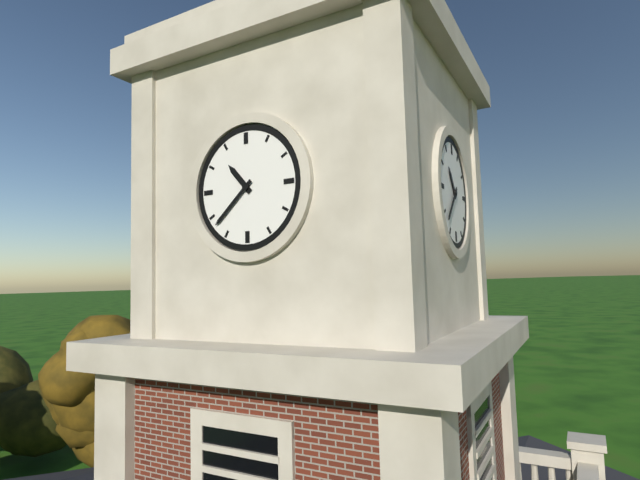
10:38
